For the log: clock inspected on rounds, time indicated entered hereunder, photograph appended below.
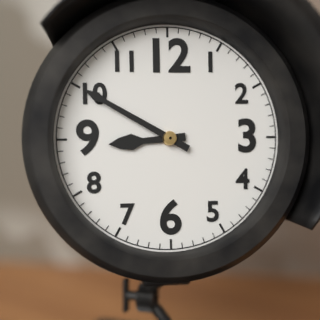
8:50
